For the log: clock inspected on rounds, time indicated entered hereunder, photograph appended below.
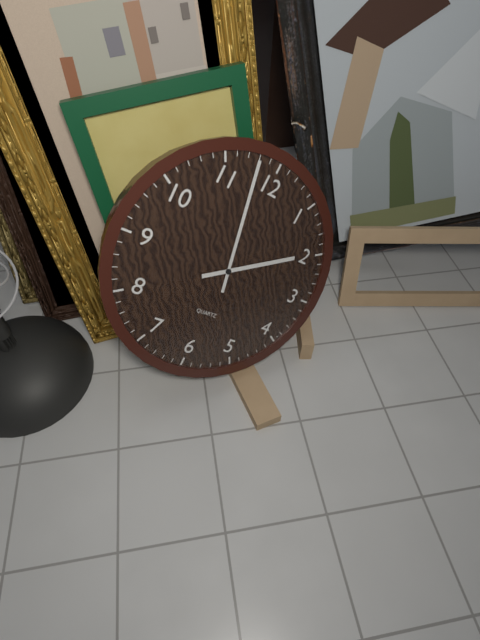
1:58
